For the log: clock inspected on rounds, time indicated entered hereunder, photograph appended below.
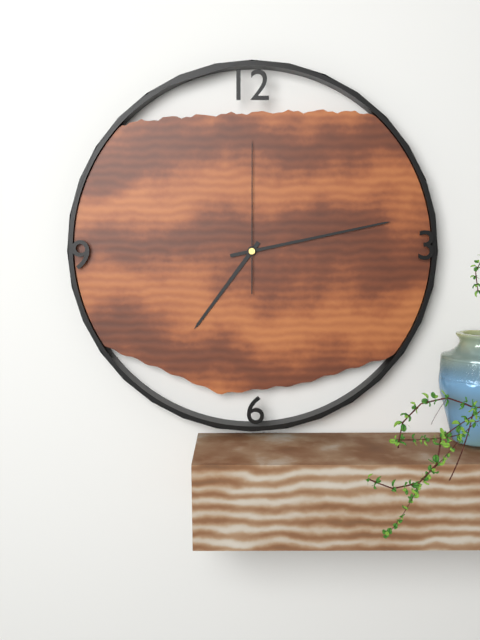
7:13:00
